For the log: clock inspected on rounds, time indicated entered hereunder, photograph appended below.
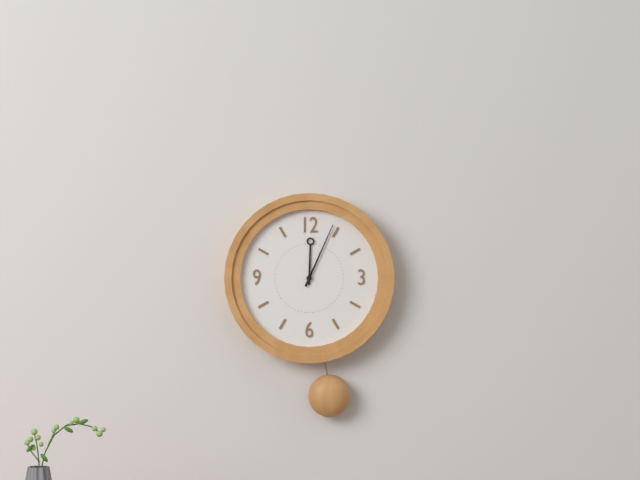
12:04
